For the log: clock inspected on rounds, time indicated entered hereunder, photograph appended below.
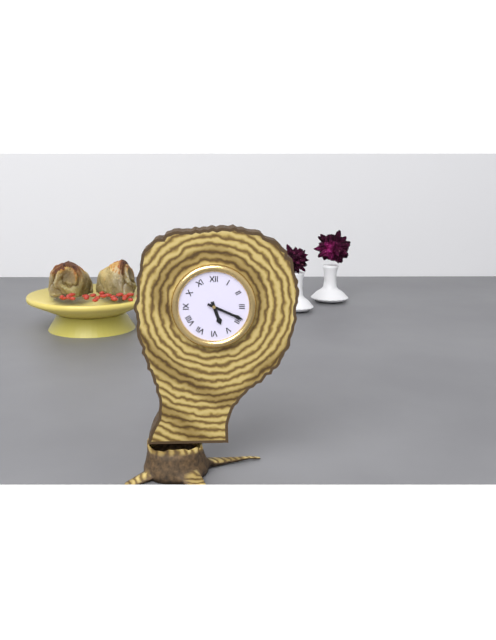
5:19
